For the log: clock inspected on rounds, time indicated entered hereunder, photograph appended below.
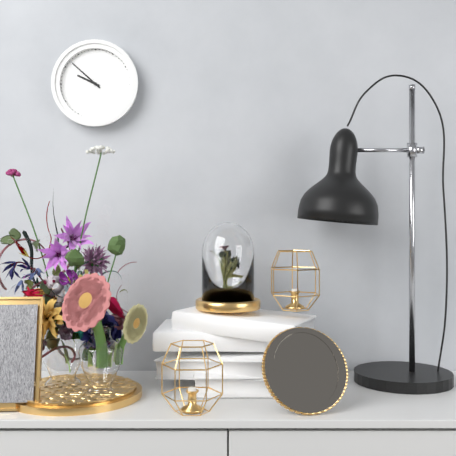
9:52
